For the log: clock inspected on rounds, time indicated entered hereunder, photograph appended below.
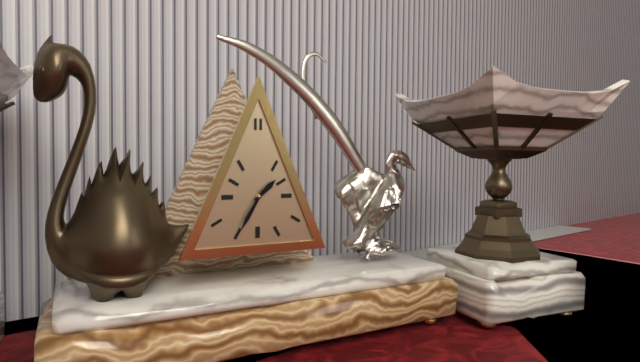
1:35
